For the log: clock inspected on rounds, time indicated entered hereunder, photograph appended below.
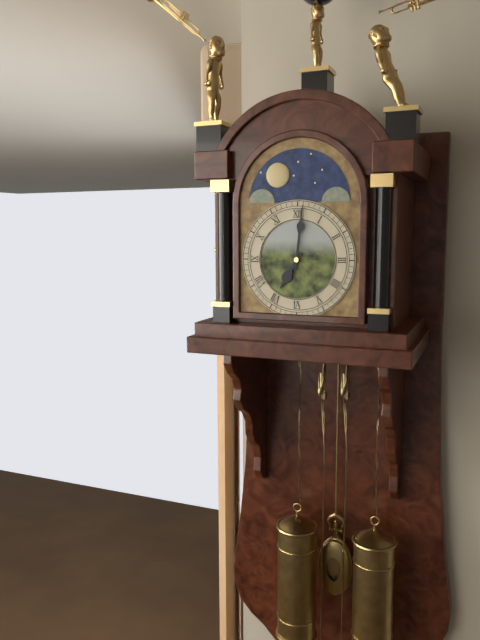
7:01
